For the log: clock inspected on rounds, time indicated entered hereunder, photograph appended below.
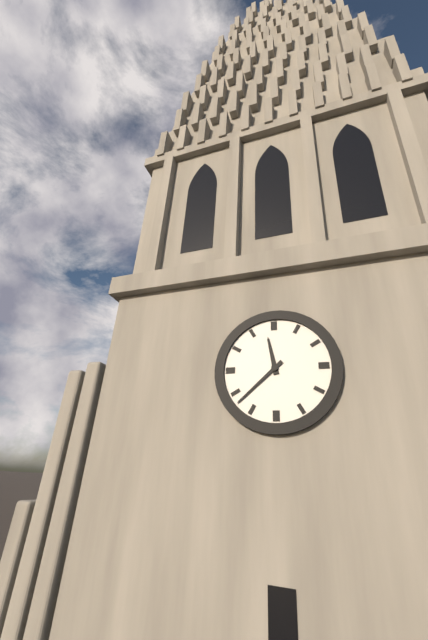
11:38
